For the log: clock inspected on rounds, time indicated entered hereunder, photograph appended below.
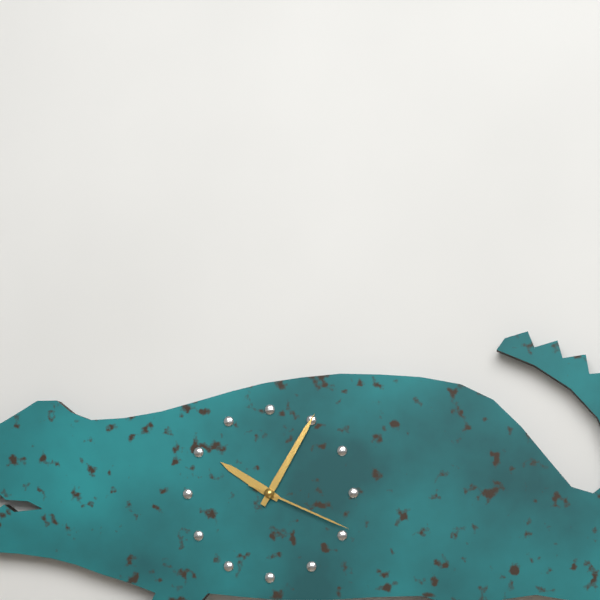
10:05:19
